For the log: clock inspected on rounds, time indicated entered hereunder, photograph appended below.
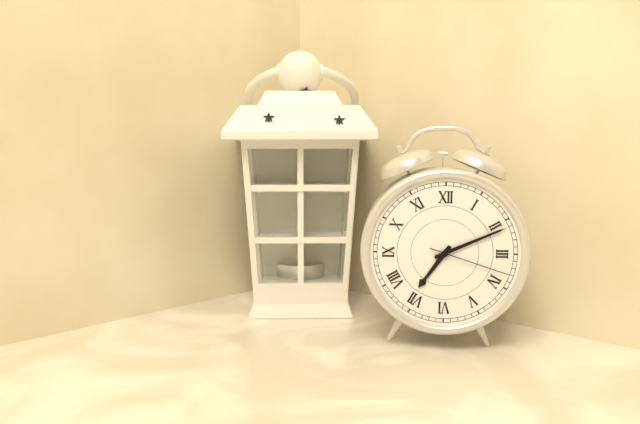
7:11:18
